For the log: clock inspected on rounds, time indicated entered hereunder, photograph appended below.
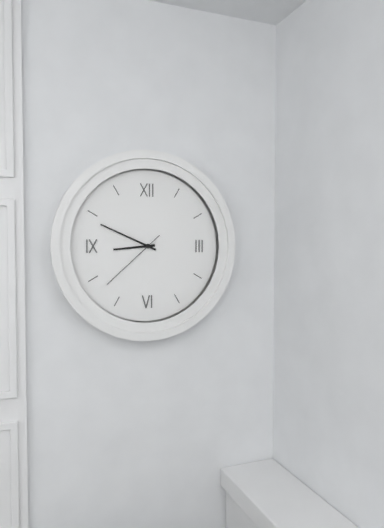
8:49:38
